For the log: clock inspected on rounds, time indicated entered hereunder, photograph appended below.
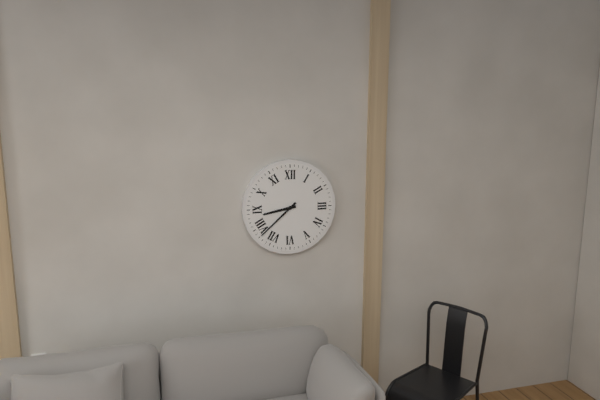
8:38
